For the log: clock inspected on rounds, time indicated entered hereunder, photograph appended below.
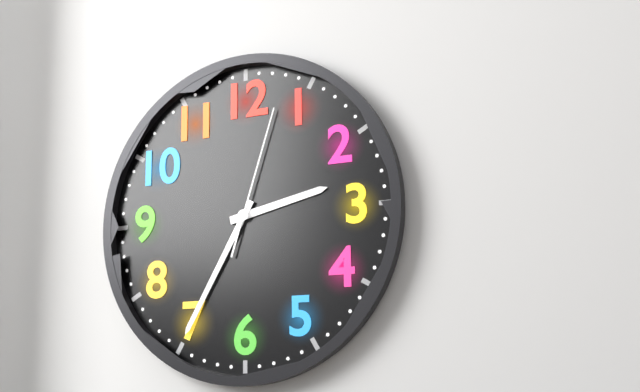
2:35:03
